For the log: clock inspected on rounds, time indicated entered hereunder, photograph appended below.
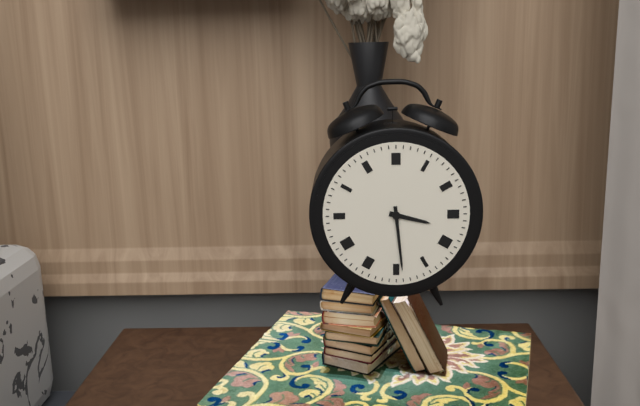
3:29
